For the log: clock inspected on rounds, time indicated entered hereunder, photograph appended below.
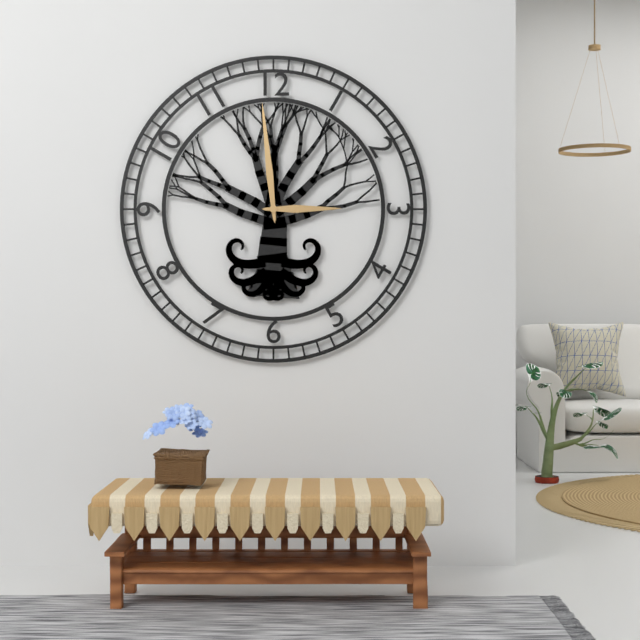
2:59
